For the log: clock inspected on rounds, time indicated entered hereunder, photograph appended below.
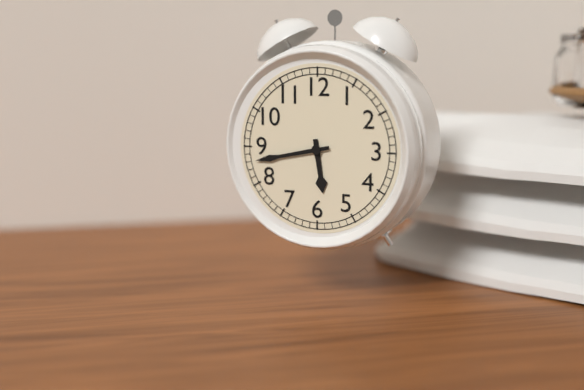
5:43
